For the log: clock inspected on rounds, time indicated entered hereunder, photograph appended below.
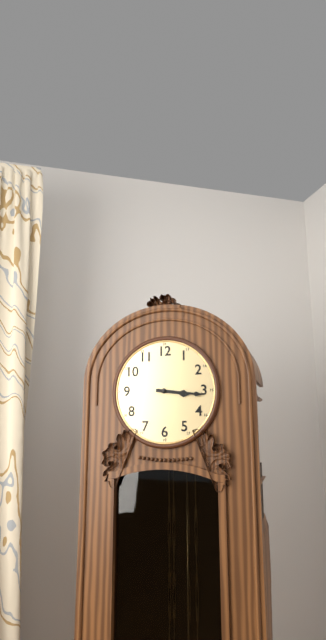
3:16
